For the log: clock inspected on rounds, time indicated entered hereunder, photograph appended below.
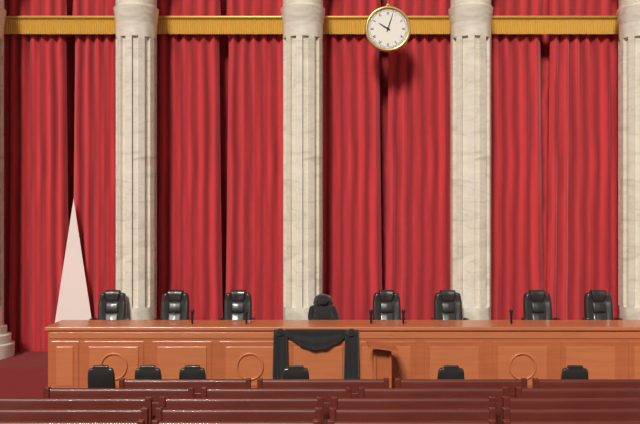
10:03
